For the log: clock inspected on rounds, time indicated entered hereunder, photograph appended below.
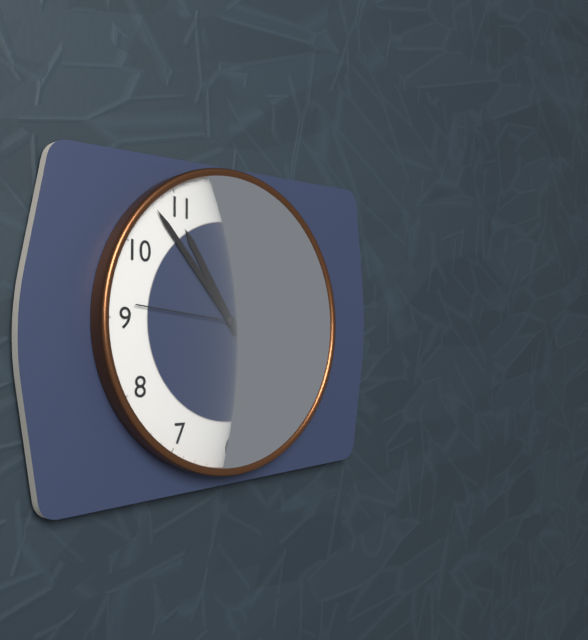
10:53:46
